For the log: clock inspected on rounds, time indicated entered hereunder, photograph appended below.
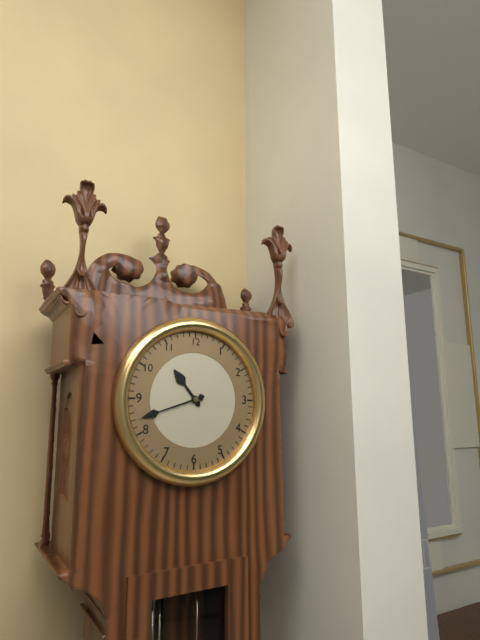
10:42
